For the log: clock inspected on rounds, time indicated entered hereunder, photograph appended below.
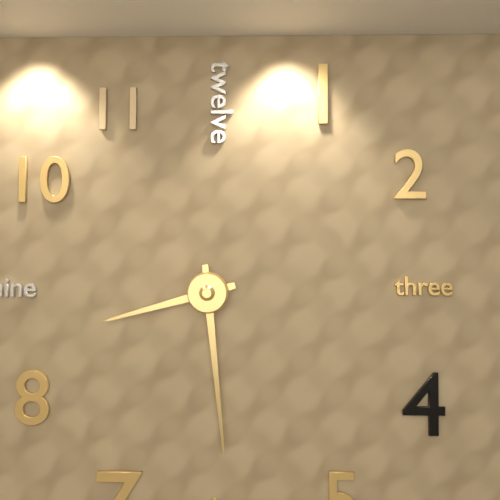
8:29
